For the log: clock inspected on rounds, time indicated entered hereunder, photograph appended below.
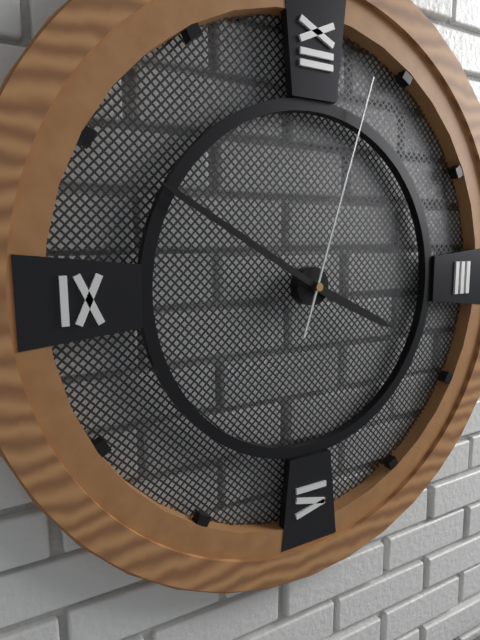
3:50:03
